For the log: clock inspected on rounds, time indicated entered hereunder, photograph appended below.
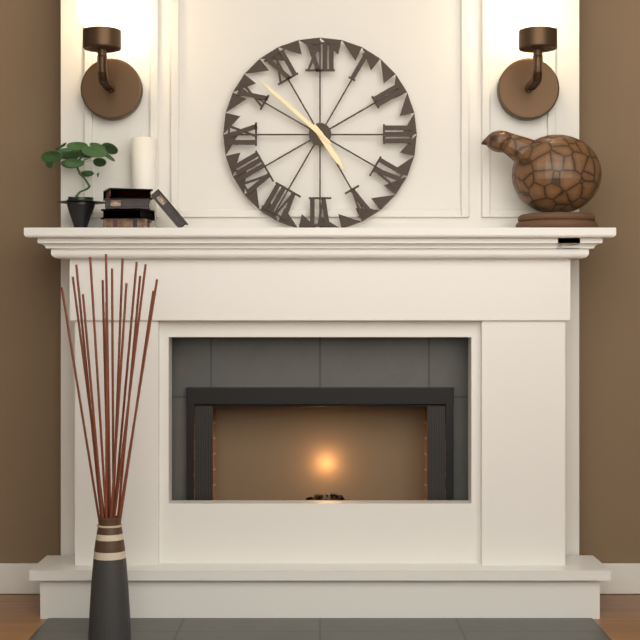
4:52
